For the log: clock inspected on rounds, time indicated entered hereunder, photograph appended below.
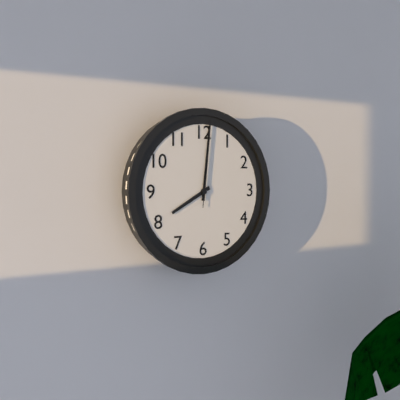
8:01:01
